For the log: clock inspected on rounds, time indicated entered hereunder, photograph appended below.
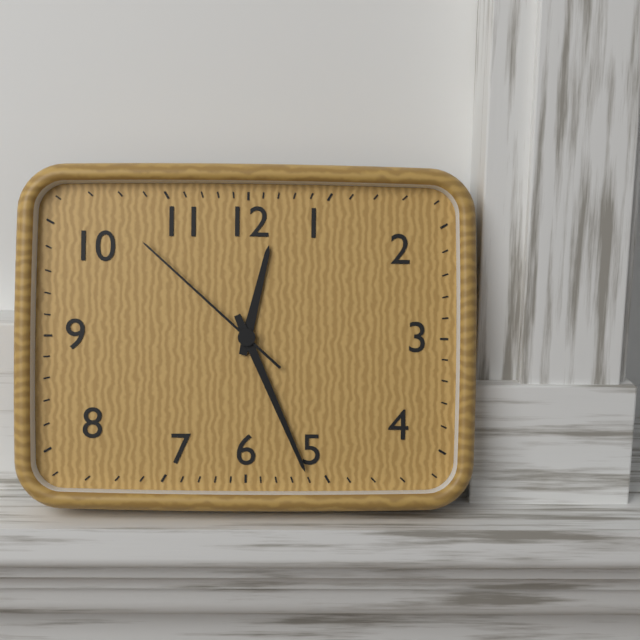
12:26:52
